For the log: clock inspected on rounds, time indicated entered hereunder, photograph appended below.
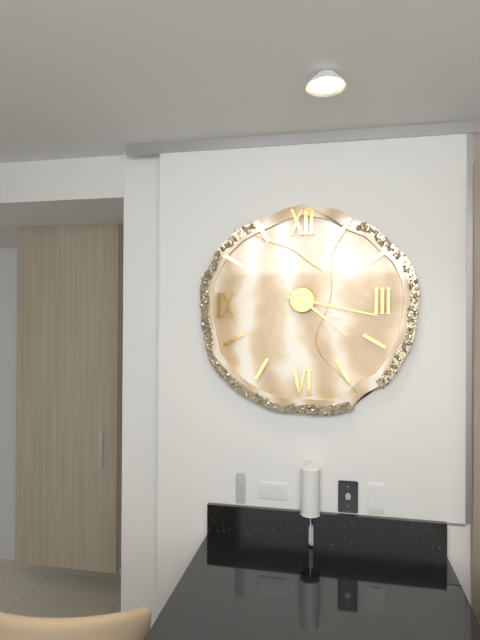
4:17
